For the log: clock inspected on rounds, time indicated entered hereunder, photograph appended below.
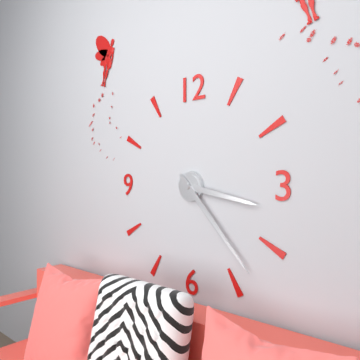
3:23
